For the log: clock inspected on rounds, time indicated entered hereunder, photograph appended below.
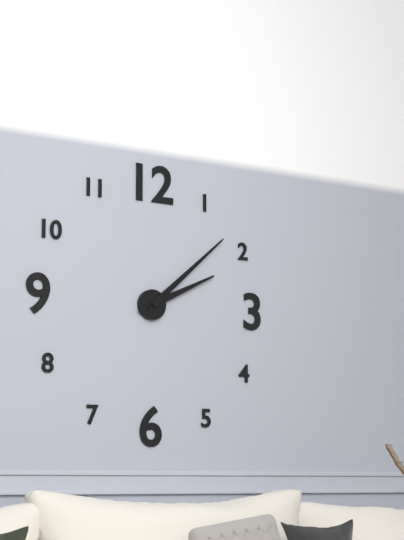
2:08
